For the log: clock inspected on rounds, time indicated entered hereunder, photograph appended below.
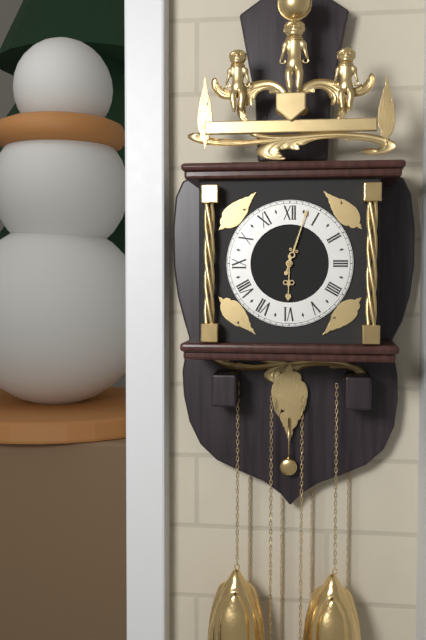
6:03
